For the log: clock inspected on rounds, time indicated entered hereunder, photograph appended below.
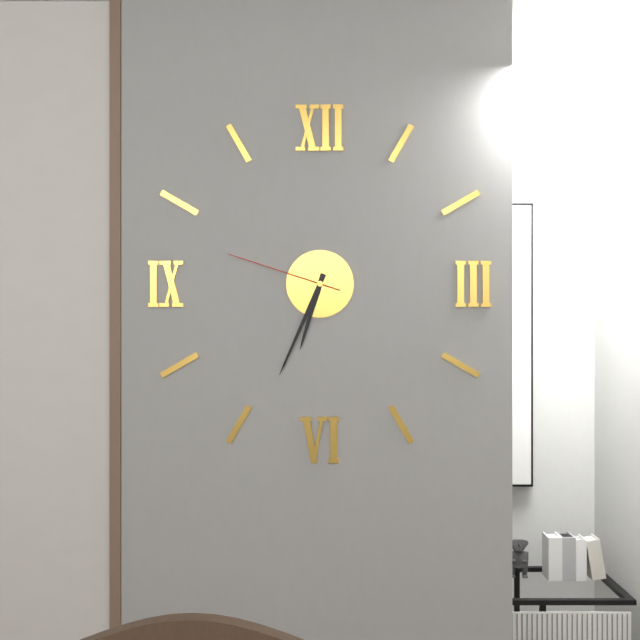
6:34:48
